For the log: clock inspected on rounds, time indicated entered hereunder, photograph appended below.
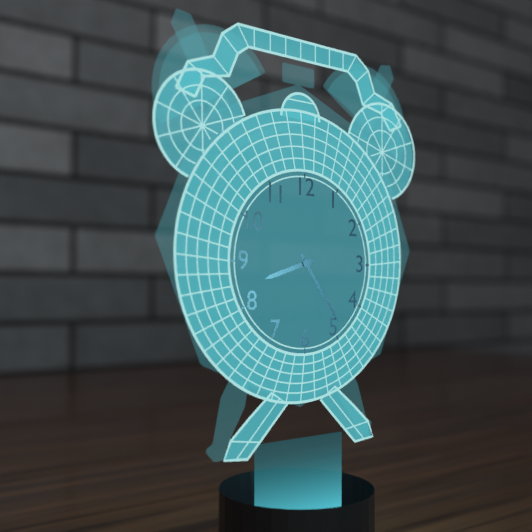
8:24
